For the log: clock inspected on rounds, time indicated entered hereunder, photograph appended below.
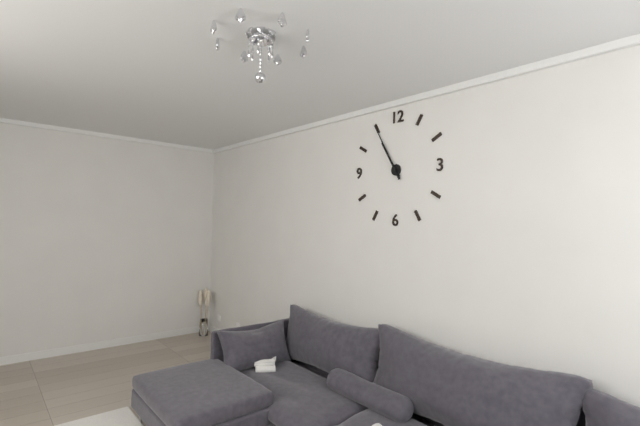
10:55
